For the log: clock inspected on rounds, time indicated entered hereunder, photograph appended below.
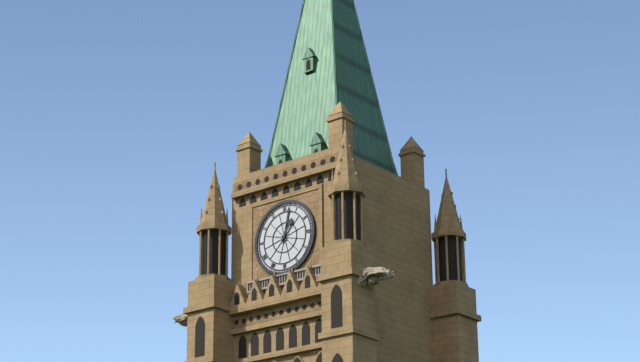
1:02
